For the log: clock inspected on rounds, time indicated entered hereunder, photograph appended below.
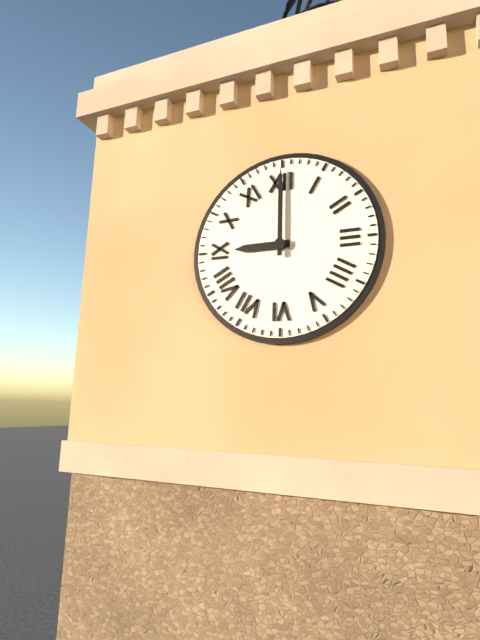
9:00
